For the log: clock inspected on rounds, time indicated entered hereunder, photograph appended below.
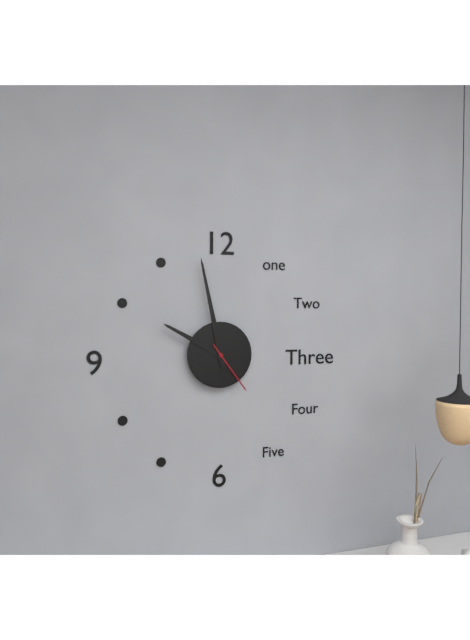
9:58:24
